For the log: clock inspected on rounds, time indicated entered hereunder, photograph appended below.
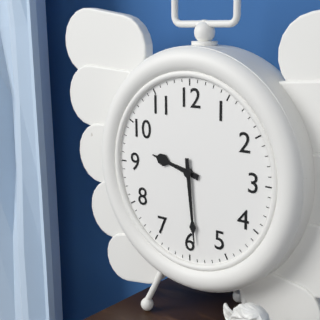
9:29
